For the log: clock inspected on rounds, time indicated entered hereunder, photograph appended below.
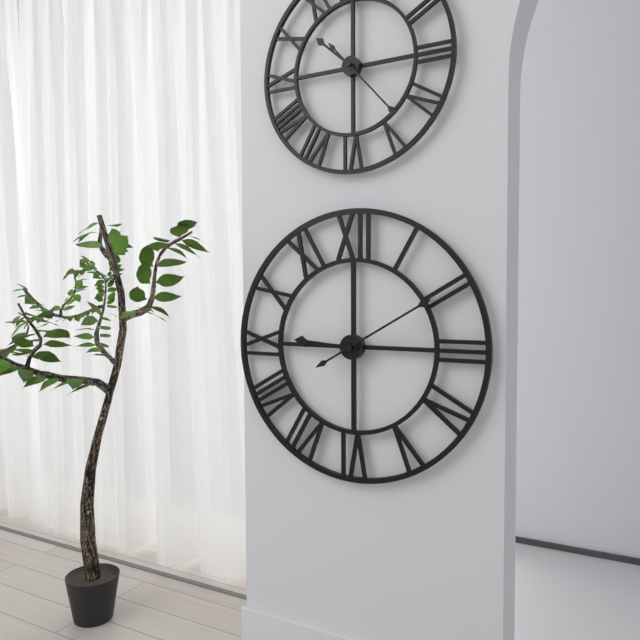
9:10
